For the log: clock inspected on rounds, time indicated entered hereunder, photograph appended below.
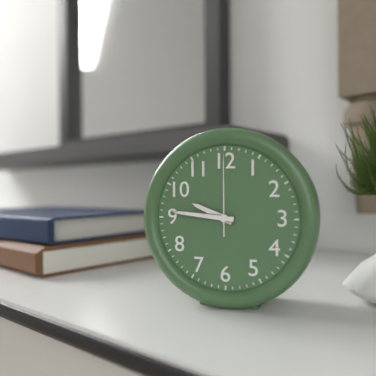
9:46:00
